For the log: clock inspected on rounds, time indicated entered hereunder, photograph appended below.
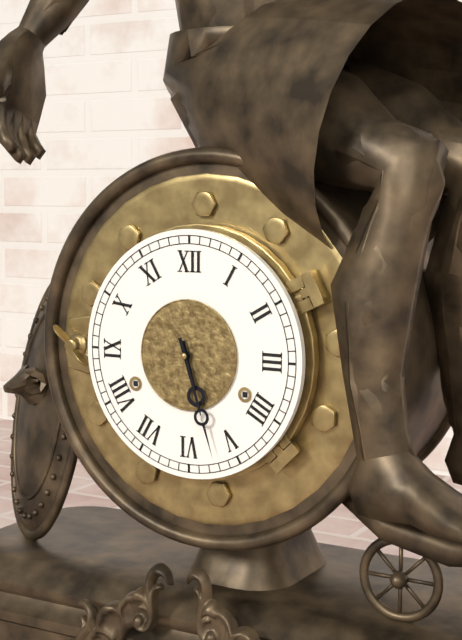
5:27
